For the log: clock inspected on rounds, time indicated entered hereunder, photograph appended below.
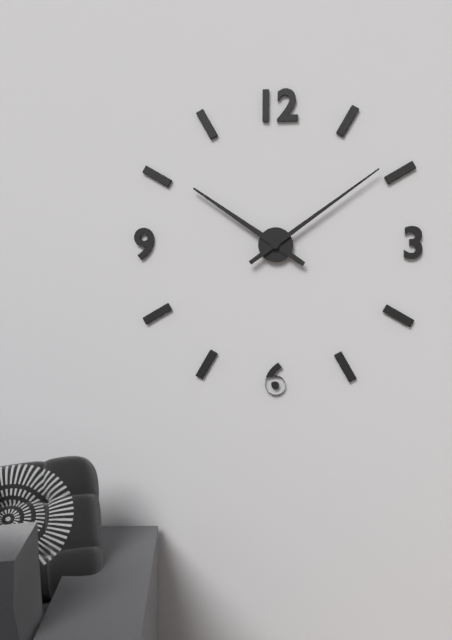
10:09
